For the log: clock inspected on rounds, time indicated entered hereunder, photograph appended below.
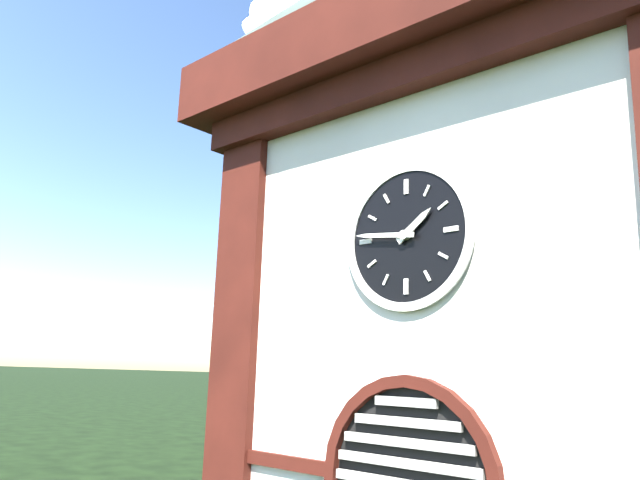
1:46
